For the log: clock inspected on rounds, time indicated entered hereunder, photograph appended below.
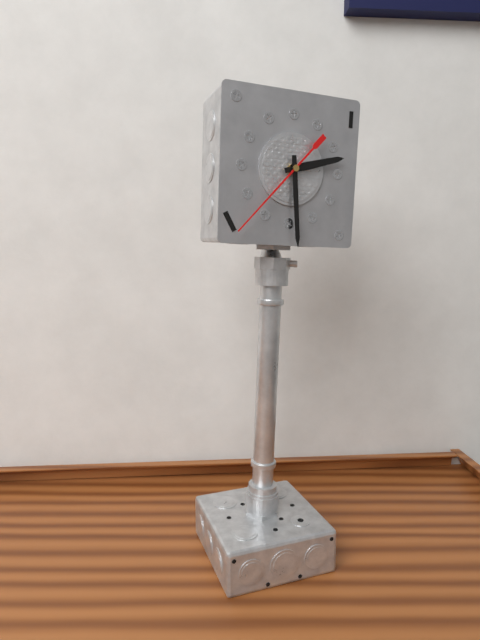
2:29:37
